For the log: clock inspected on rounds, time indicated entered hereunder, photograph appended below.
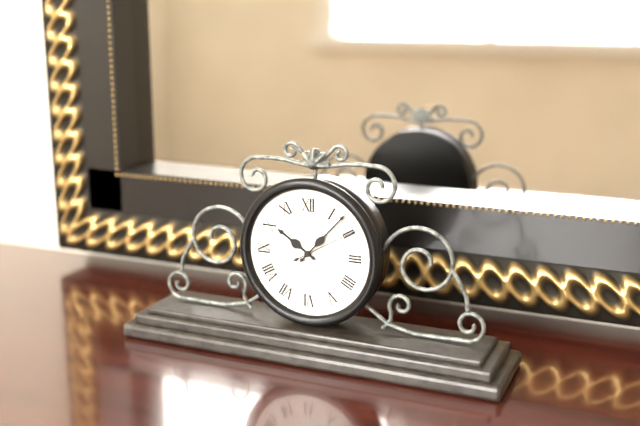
10:07:10
